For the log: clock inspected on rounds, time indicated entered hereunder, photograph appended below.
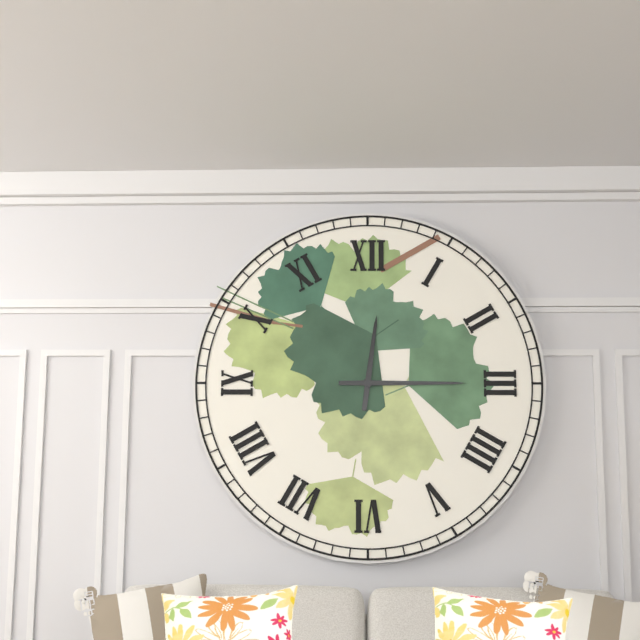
12:15
